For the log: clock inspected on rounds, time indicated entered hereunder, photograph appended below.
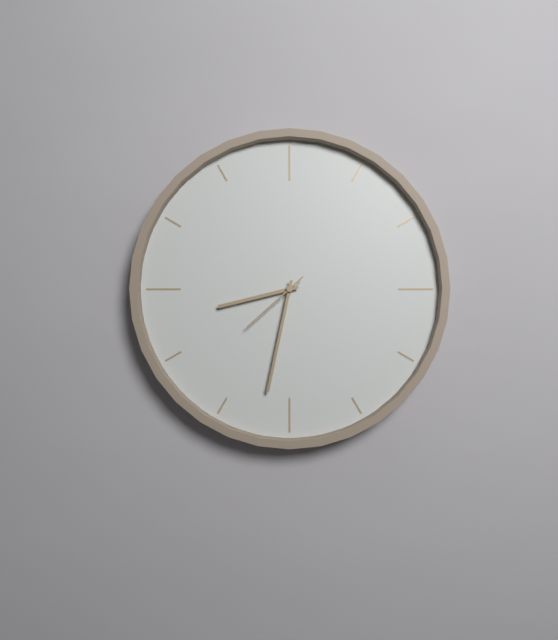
8:32:38
